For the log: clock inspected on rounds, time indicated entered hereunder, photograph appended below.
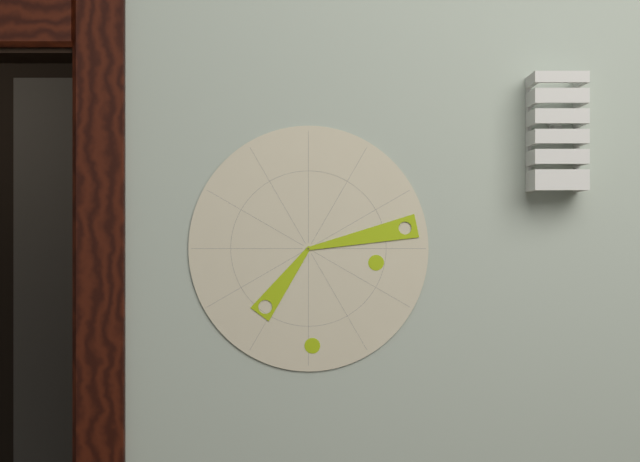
7:13
